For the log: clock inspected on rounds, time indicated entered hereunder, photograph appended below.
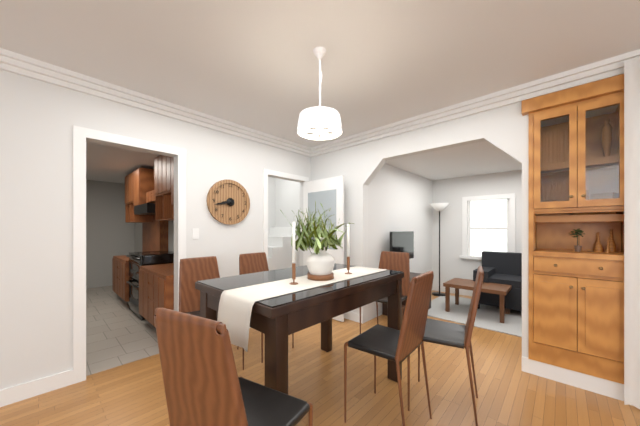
8:43
